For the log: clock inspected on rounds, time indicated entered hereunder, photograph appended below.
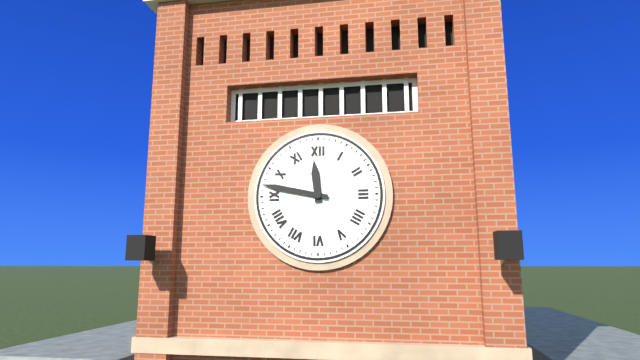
11:47
